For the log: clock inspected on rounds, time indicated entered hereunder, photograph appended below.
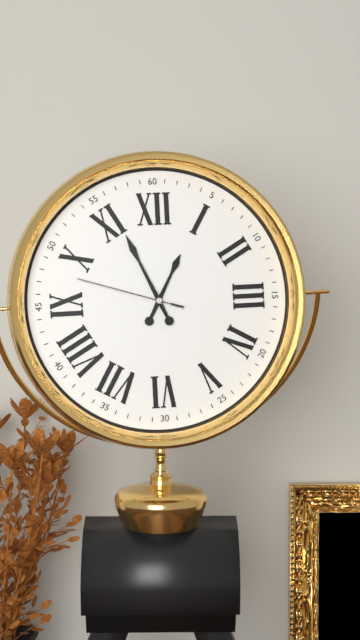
12:56:48
